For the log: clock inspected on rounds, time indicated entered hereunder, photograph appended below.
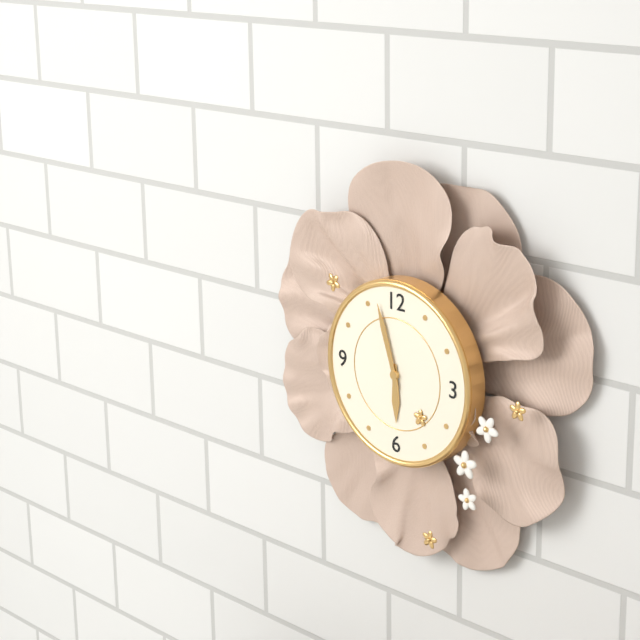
5:57
